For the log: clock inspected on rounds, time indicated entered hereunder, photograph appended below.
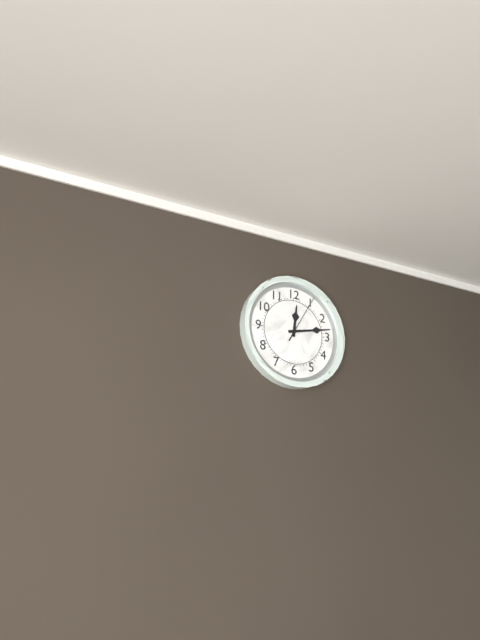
12:13:05
